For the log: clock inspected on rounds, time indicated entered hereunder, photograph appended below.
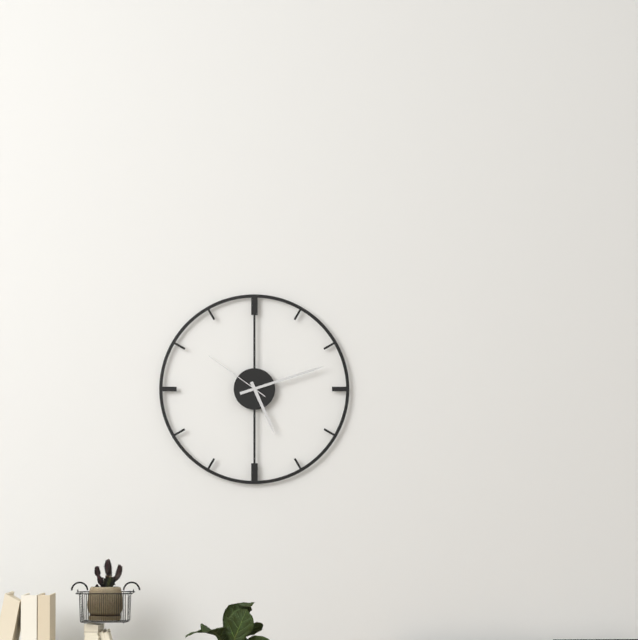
5:12:51
